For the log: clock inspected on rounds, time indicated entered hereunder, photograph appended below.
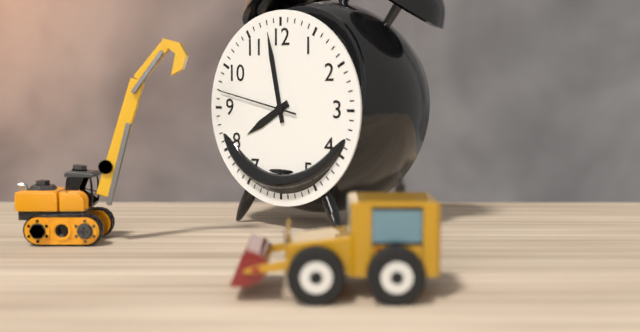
7:58:47
